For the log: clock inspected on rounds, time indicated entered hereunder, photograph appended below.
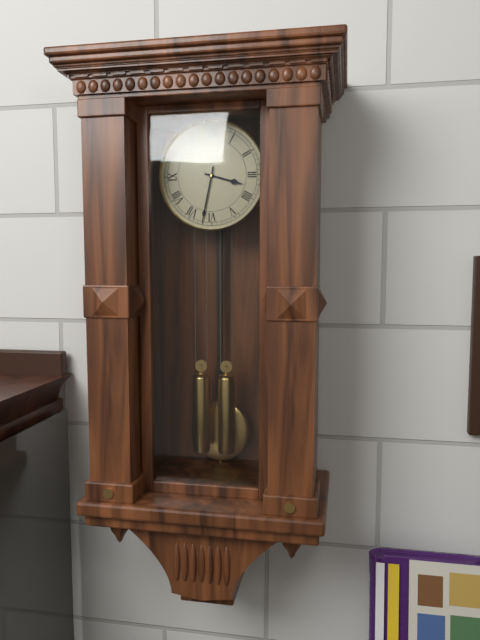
3:32
